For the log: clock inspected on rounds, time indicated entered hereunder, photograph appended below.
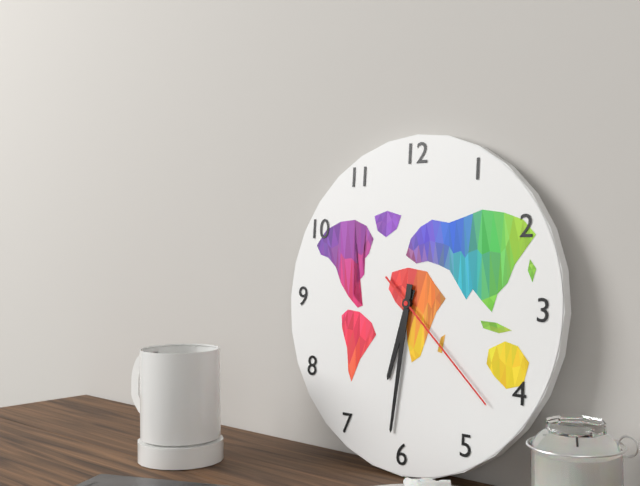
6:31:22
